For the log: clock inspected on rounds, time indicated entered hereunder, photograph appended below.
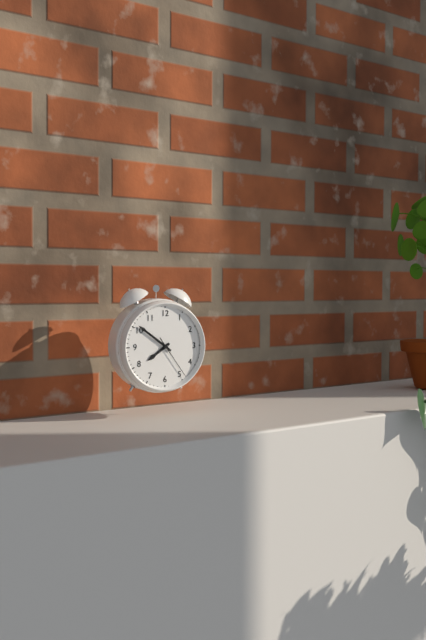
7:51
